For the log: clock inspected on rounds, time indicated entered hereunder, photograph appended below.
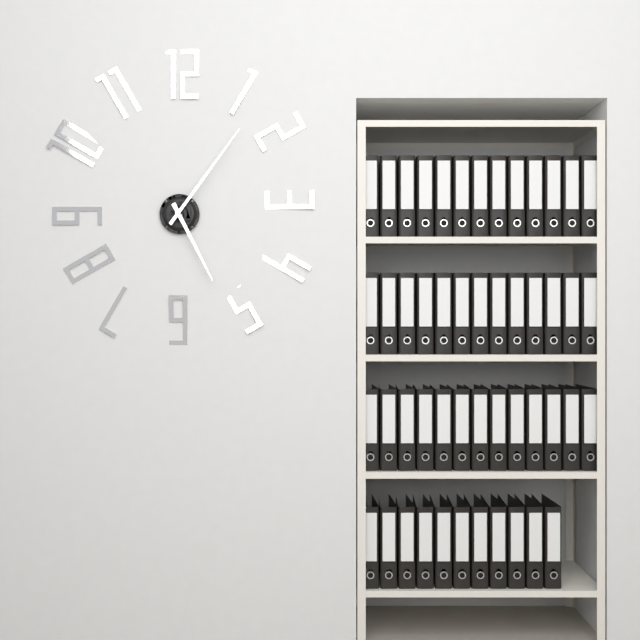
5:06
